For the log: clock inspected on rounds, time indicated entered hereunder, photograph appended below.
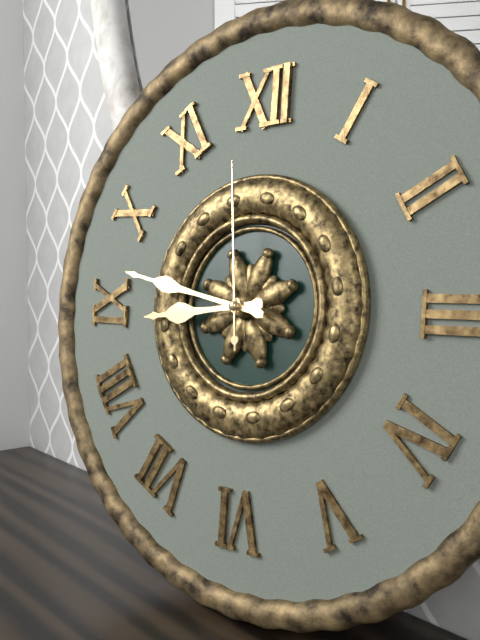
8:47:59
